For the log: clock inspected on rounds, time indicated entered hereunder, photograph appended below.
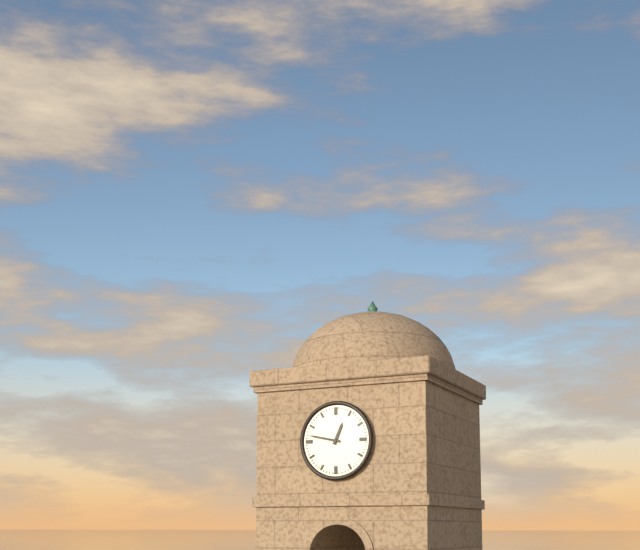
12:47
